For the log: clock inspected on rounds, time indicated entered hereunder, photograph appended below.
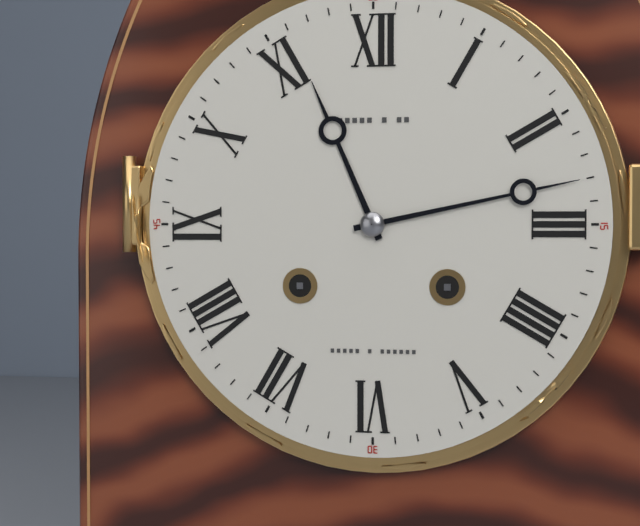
11:13
